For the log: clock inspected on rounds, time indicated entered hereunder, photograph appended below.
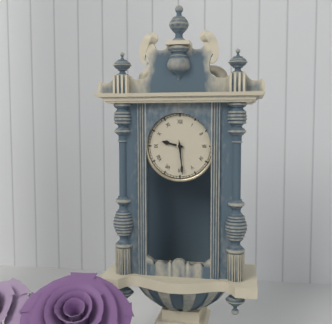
9:29
